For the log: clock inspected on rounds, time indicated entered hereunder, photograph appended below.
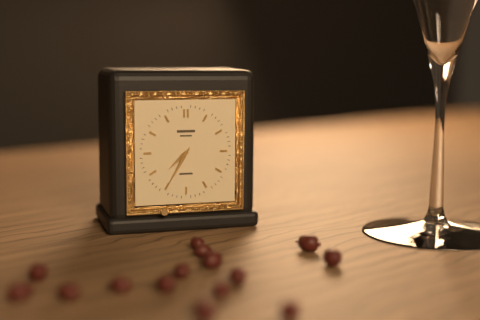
7:35
